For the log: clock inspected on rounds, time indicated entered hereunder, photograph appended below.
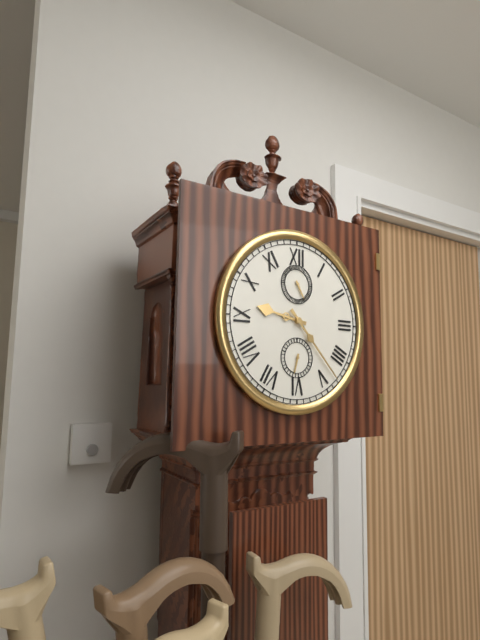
9:23
